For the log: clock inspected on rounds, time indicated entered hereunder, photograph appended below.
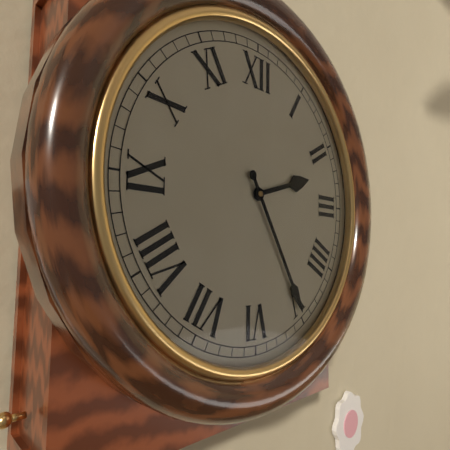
2:25
